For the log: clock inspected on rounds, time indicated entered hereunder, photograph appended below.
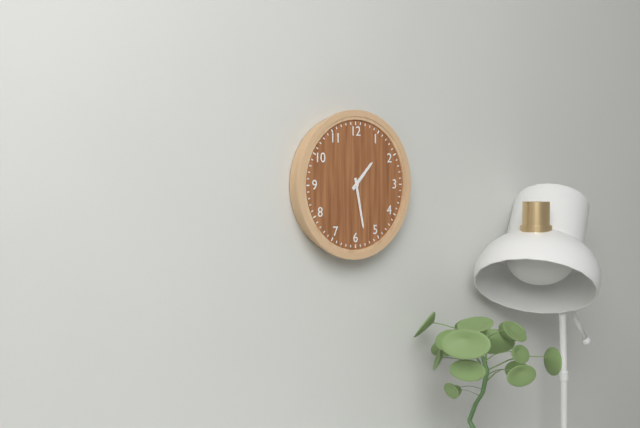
1:28
